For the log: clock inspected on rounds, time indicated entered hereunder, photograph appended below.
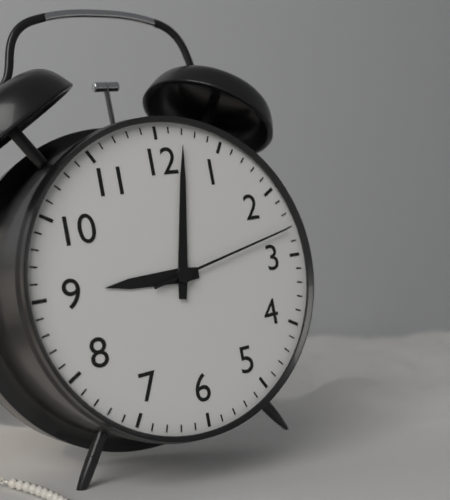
9:02:13
